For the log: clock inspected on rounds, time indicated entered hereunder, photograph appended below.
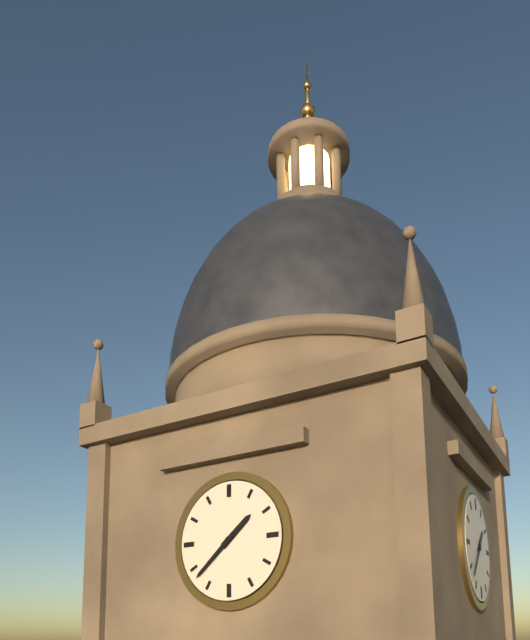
1:38
